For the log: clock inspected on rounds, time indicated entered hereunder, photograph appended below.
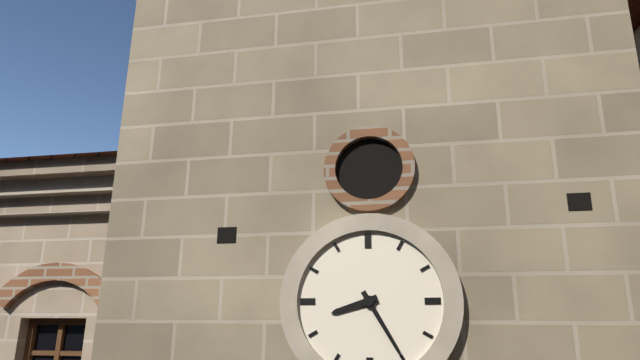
8:25
